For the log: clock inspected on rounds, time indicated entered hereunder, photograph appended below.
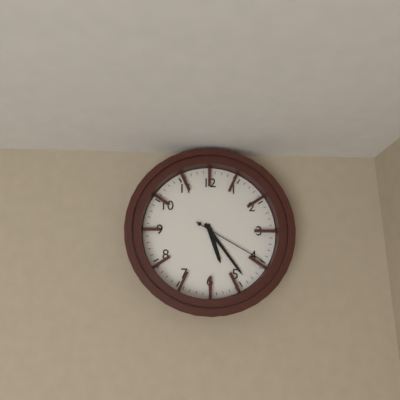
5:24:20
